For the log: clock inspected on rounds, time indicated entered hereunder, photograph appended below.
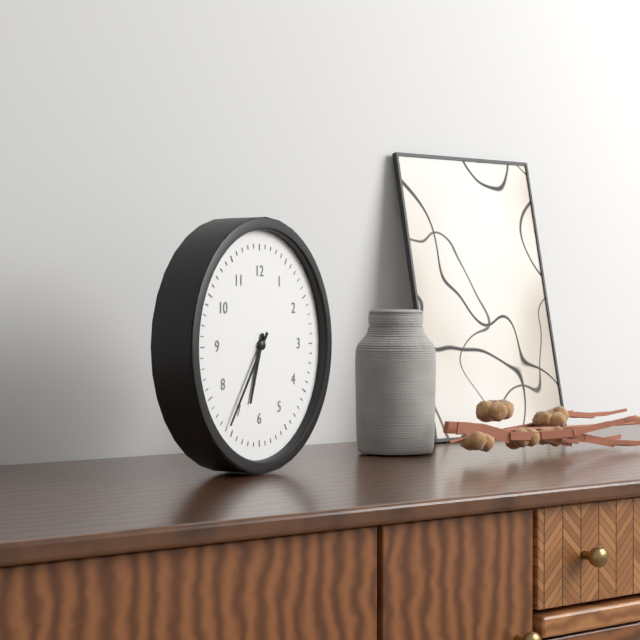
6:36
